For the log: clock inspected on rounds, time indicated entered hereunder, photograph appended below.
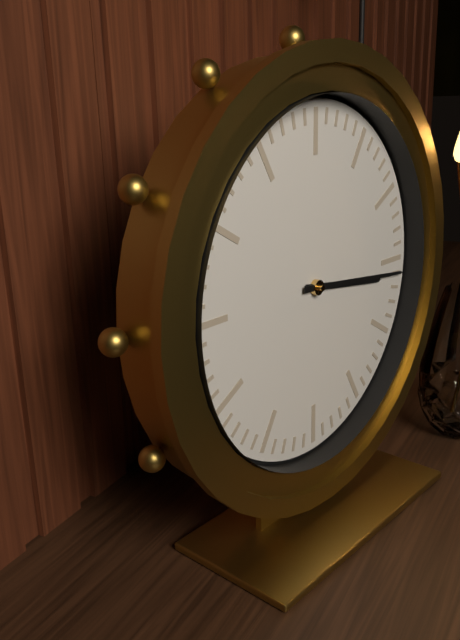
3:16
